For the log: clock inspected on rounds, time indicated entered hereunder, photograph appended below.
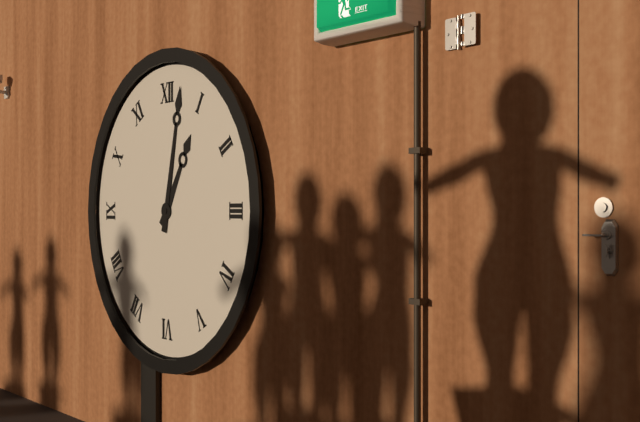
1:02
